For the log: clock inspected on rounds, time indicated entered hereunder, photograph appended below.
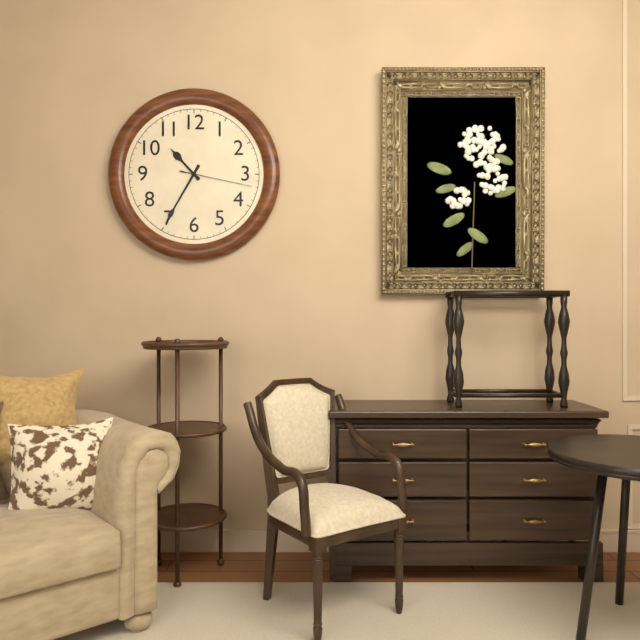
10:35:17
